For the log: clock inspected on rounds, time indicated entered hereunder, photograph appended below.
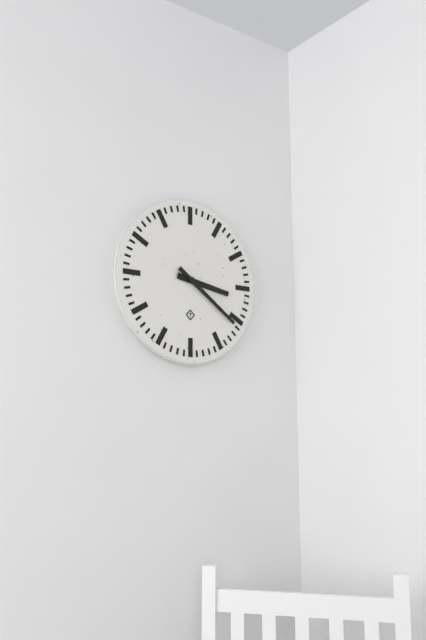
3:21
